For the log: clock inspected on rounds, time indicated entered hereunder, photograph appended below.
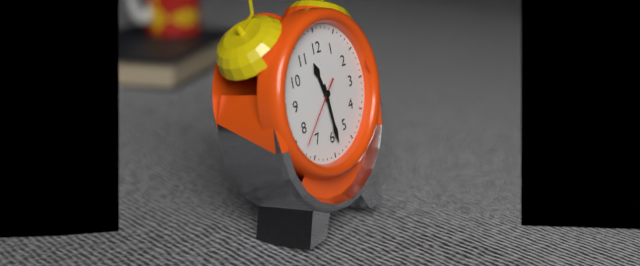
11:29:38
